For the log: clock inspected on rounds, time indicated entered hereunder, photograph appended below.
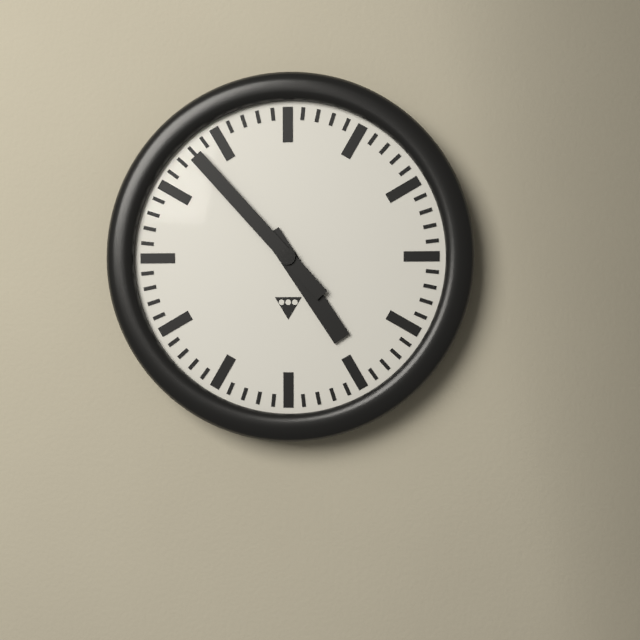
4:53
